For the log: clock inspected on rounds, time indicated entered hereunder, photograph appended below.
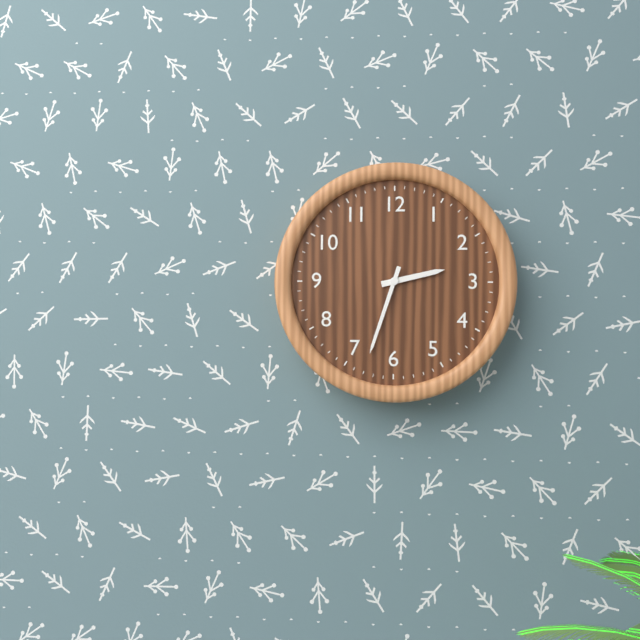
2:33
